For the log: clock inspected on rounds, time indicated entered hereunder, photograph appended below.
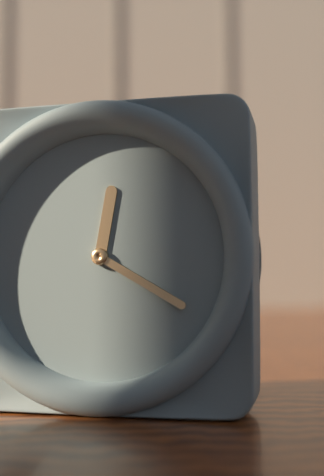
12:20
